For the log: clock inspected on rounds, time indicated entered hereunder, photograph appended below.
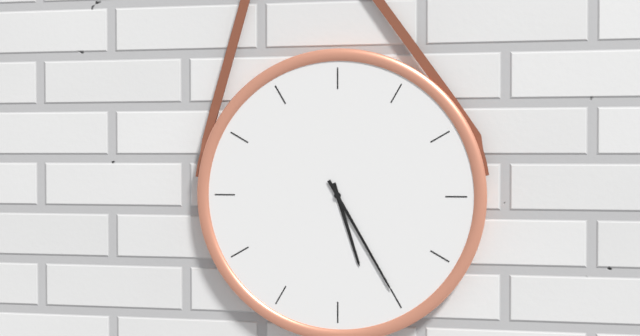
5:25
